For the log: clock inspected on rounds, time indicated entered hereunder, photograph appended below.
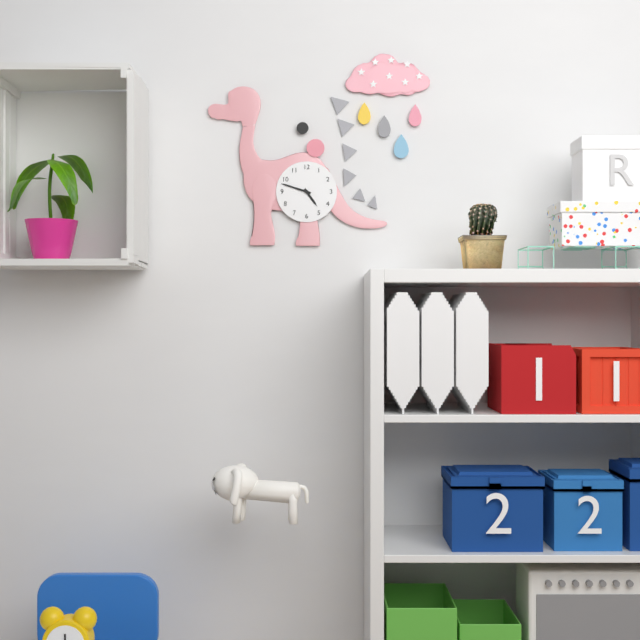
4:48
